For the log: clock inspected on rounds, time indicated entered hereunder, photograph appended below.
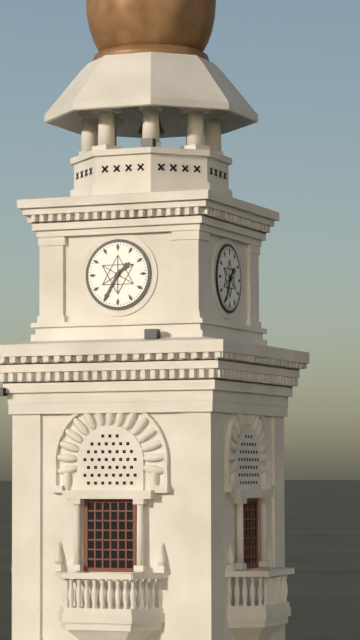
1:35
